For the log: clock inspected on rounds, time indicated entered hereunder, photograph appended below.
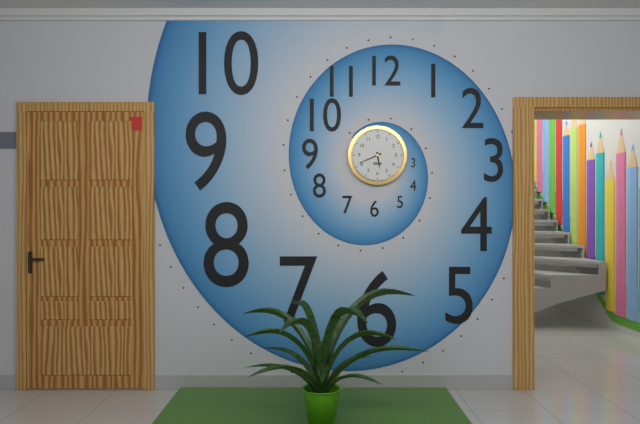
5:41
